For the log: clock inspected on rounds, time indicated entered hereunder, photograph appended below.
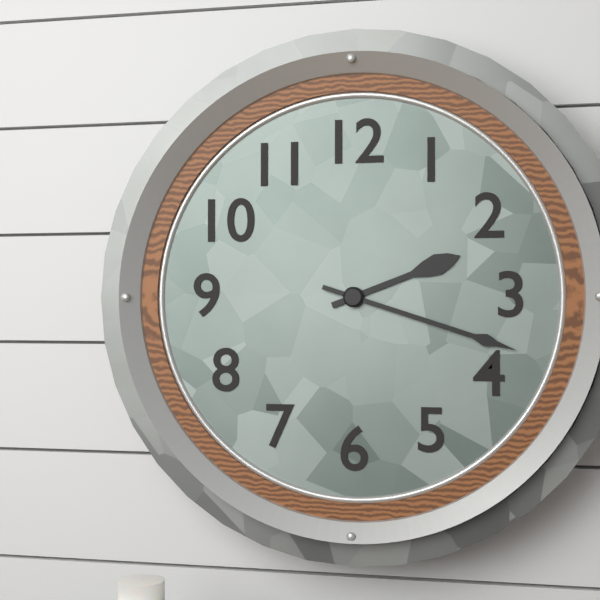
2:18
